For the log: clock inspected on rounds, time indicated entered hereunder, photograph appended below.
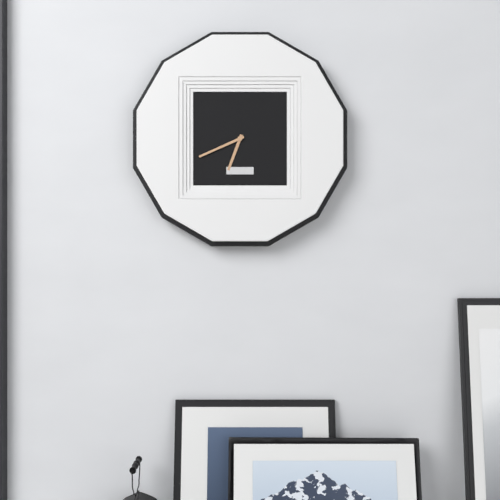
6:41
